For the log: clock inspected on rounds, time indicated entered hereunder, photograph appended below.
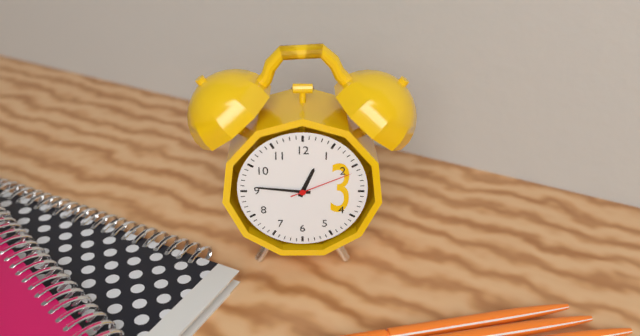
12:46:11
